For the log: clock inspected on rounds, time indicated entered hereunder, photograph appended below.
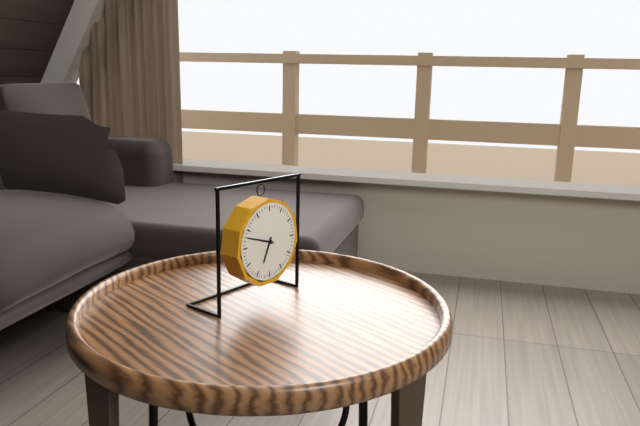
6:48
